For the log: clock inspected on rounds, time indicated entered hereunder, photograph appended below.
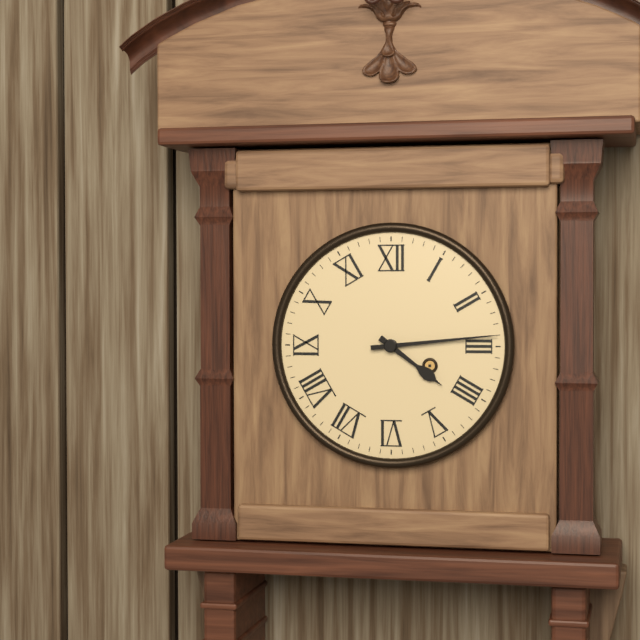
4:14
